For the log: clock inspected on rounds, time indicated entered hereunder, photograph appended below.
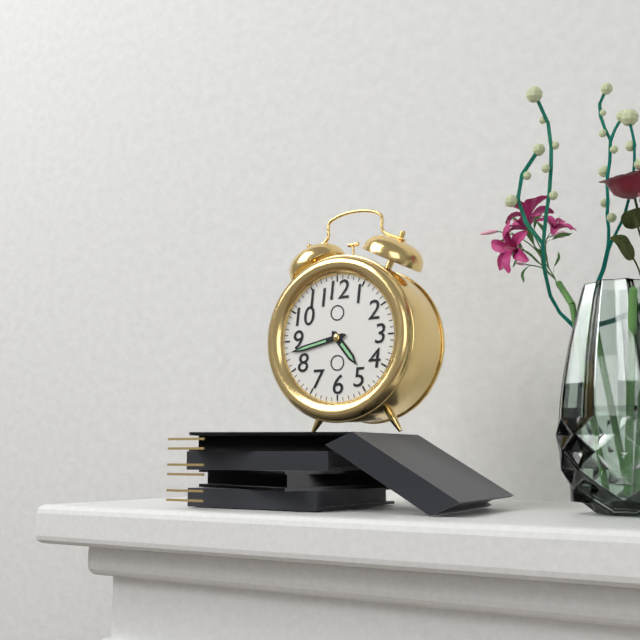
4:43
